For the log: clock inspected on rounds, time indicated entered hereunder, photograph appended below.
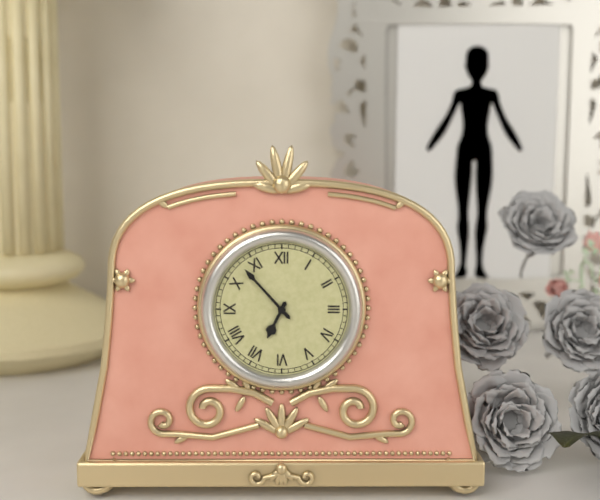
6:53
